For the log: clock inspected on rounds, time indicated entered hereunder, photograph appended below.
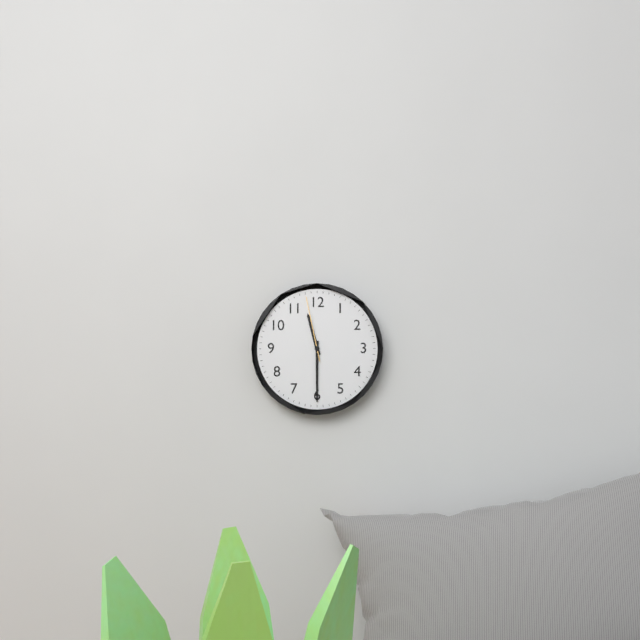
11:30:58
